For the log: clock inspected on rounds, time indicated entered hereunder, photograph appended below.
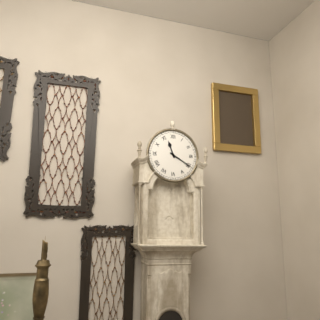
11:20
